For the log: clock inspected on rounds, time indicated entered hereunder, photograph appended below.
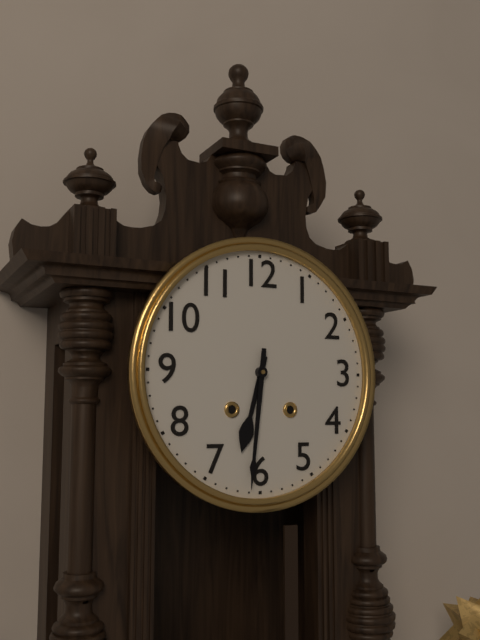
6:31
